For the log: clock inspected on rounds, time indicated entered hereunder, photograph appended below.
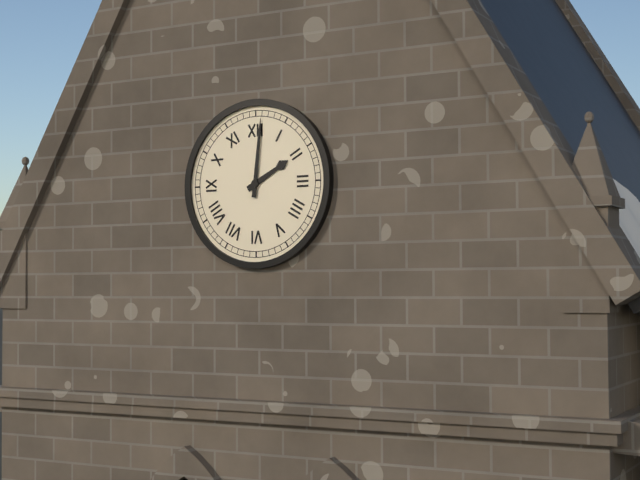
2:01
